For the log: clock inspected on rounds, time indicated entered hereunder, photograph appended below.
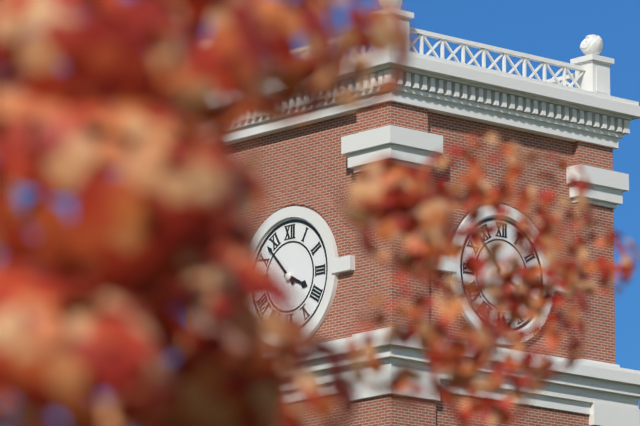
3:53
